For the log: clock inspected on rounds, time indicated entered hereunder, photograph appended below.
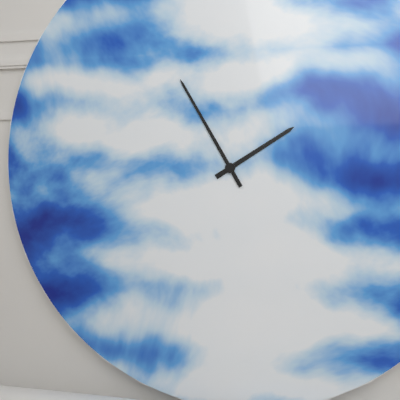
1:55
